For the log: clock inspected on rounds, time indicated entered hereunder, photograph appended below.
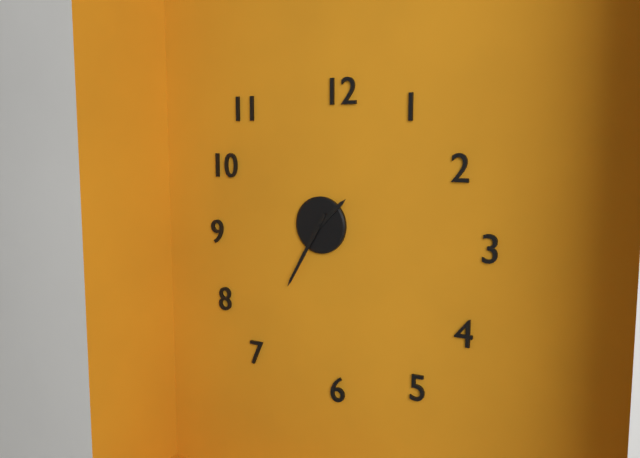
1:35
